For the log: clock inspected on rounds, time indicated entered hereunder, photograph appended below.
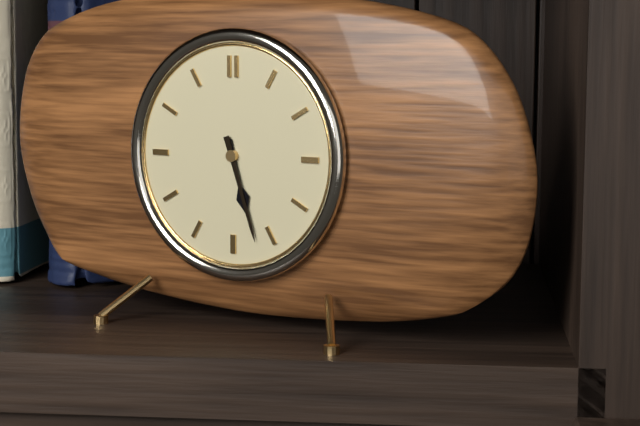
5:27
